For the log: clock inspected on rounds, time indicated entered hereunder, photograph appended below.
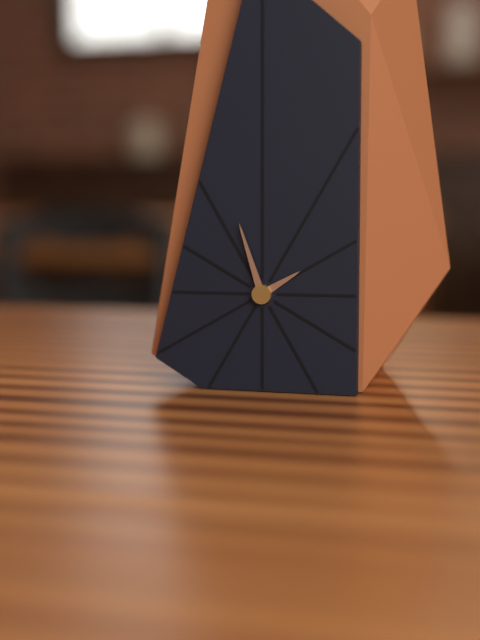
1:57
